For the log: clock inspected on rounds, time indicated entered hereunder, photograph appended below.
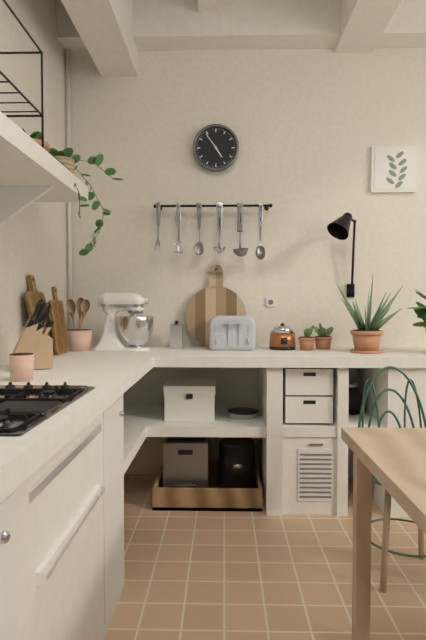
4:54
